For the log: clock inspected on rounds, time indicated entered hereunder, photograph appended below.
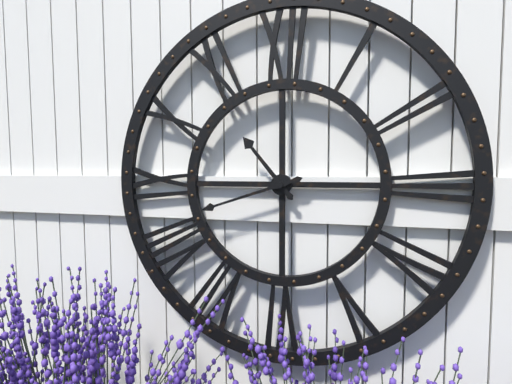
10:42
